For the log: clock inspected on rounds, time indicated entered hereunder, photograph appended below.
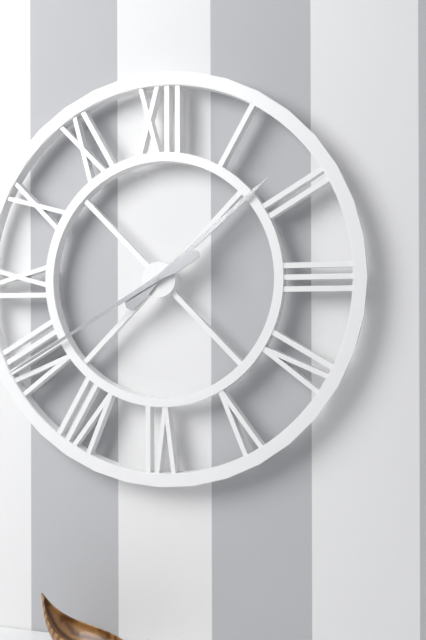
1:40
